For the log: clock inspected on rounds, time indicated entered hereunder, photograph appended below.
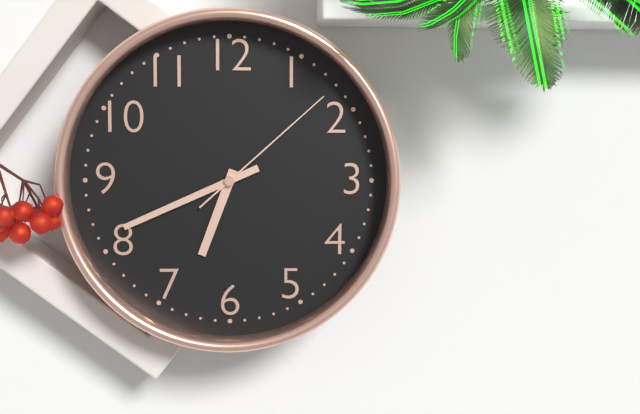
6:41:08
